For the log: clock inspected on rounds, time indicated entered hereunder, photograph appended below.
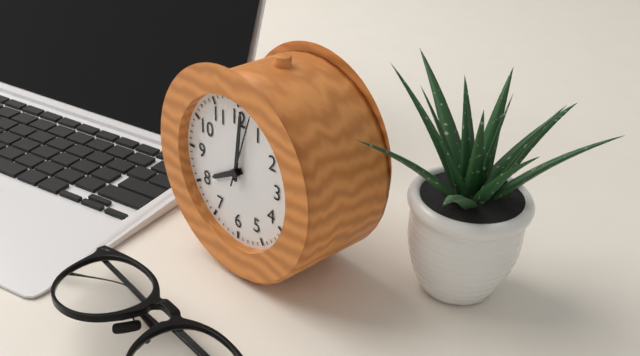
8:01:03
